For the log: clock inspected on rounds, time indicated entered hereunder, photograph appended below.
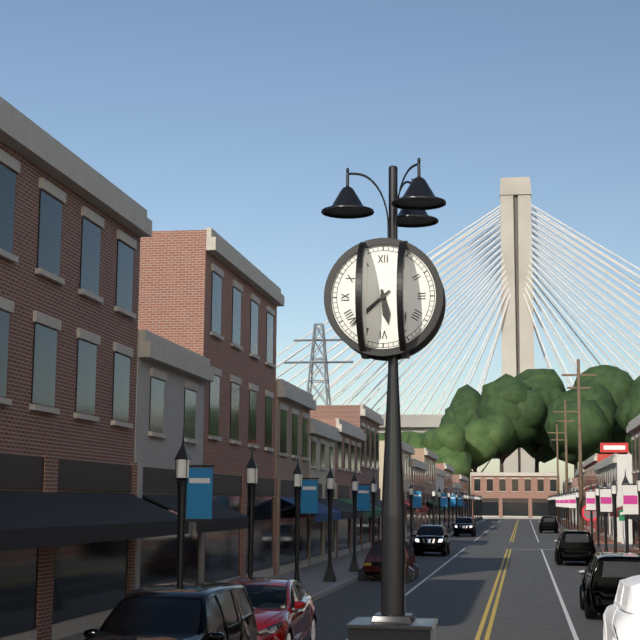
5:38
